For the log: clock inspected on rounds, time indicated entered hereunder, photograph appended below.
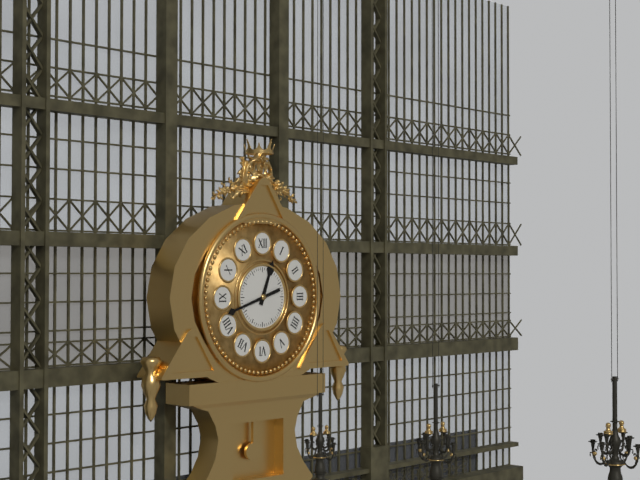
12:42
